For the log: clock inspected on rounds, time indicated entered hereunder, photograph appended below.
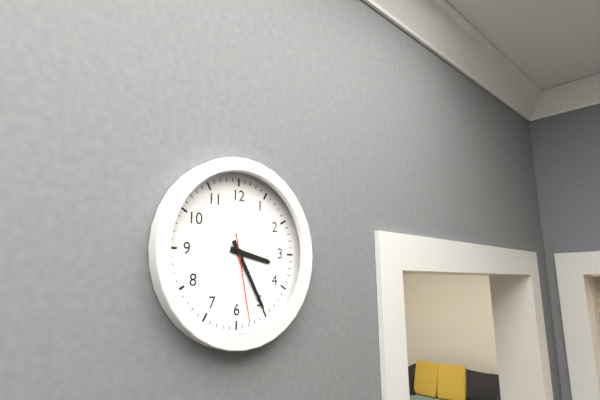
3:25:28
